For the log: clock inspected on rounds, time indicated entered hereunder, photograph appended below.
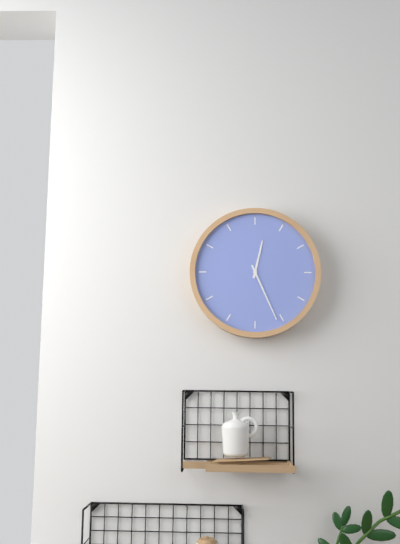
12:26
